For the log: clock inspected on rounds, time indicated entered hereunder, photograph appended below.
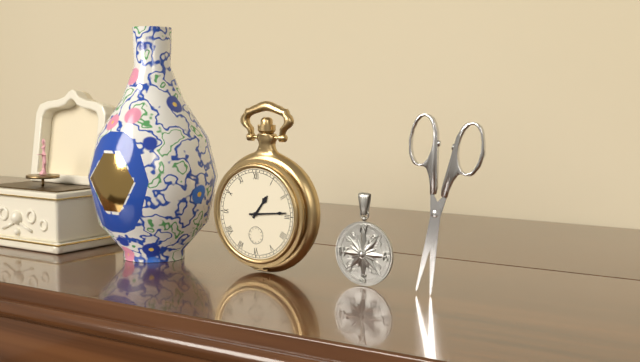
1:14
